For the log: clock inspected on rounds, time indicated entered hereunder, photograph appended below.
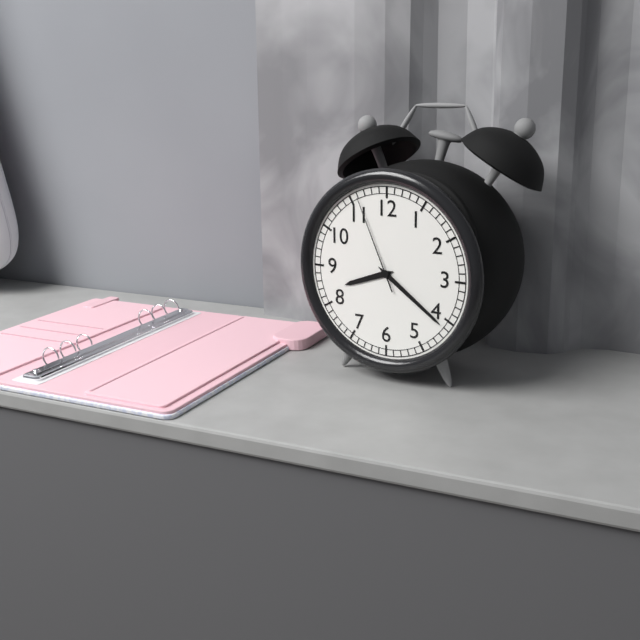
8:21:56
